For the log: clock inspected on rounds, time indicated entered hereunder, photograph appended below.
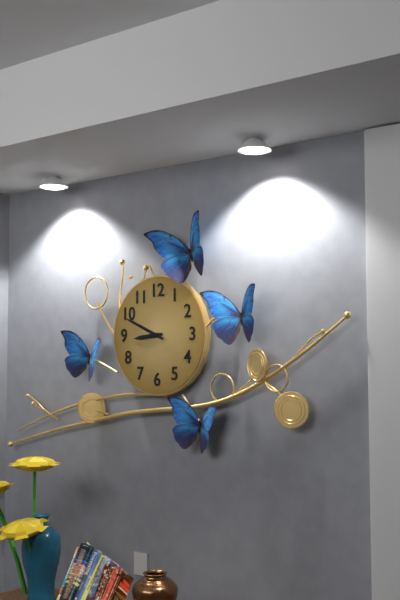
8:49
